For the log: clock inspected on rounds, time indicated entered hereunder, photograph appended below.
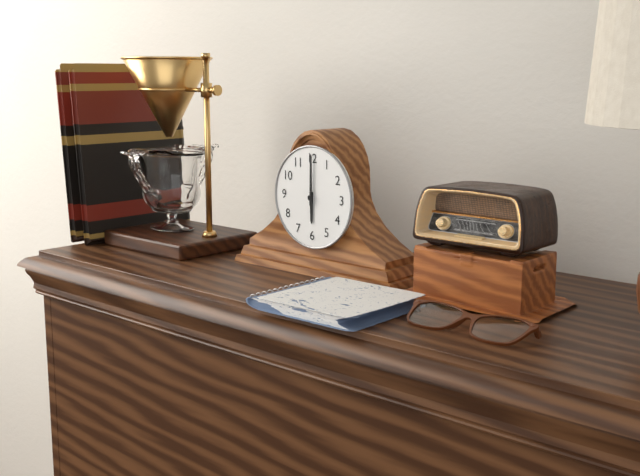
6:00
